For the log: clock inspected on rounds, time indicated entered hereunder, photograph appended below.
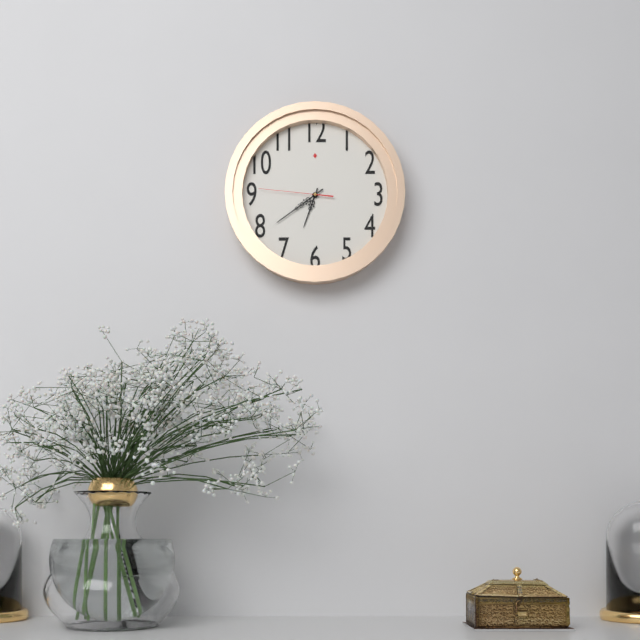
6:39:46
